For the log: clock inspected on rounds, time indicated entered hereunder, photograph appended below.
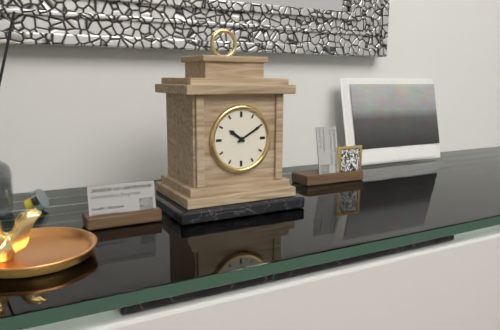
10:10
